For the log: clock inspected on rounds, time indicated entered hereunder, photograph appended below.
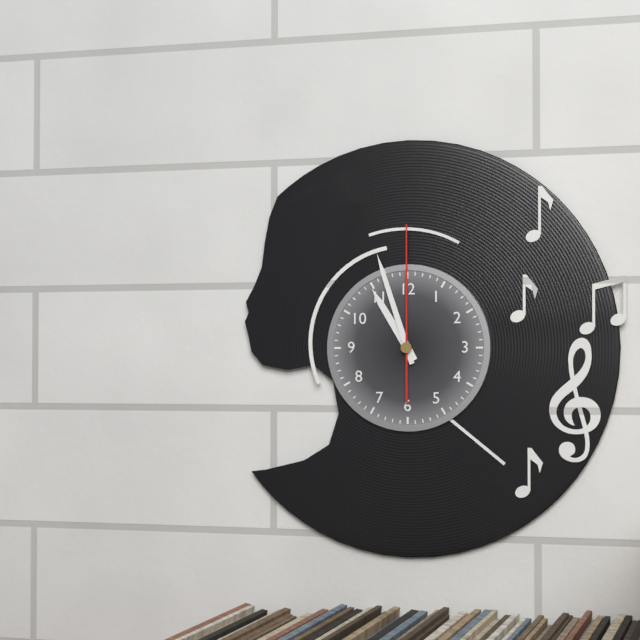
10:57:00
